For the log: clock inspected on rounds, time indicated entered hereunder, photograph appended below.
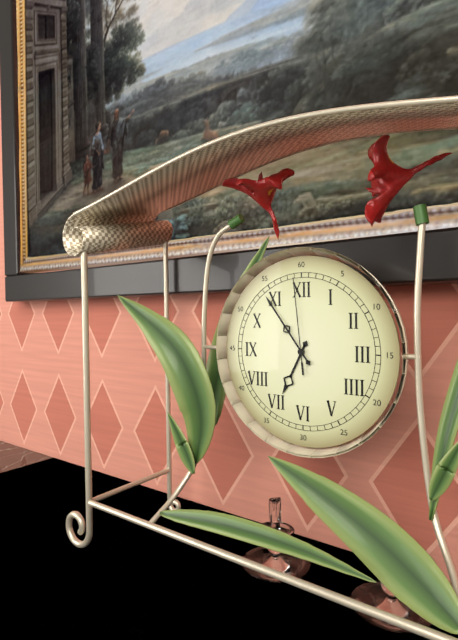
6:54:59
